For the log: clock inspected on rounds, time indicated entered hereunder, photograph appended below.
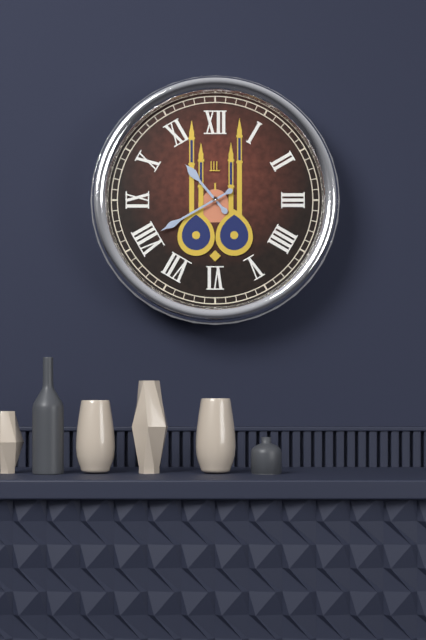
10:40
